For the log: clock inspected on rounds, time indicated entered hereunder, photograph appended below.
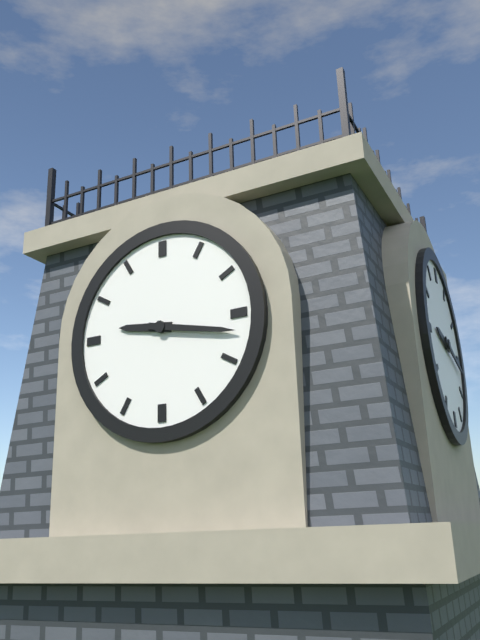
9:17
